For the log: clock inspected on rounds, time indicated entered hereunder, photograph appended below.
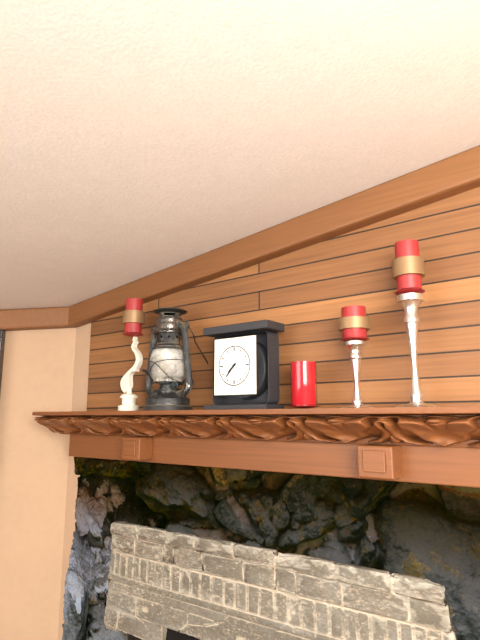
7:37
